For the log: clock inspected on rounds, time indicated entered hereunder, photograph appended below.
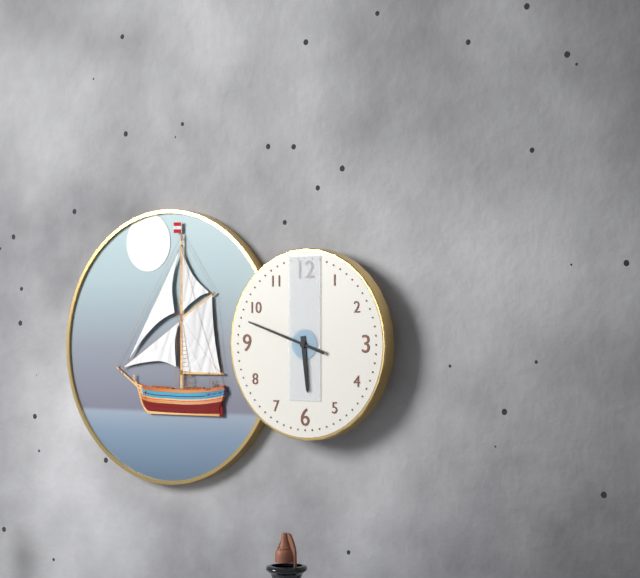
5:48
